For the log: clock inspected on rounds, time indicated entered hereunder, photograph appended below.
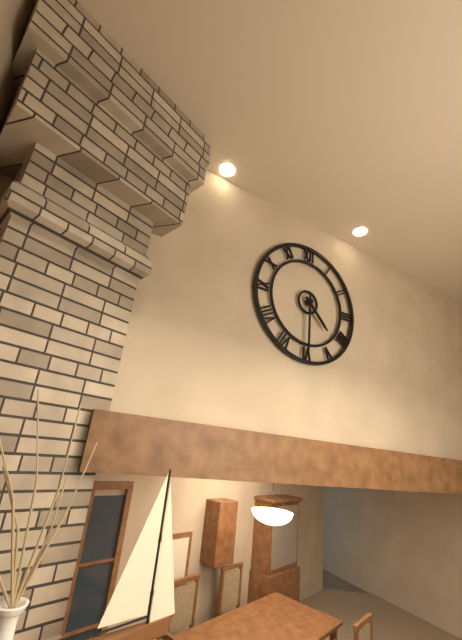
4:30
